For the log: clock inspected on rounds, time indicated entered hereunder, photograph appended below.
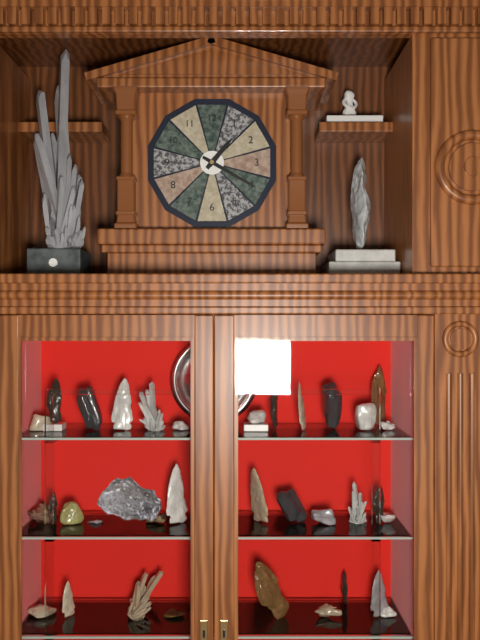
1:20
